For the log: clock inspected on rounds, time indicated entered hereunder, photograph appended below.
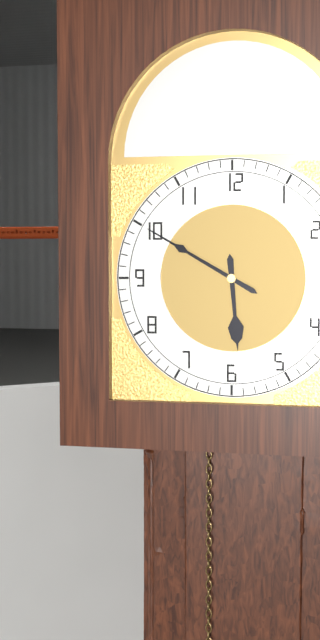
5:50
